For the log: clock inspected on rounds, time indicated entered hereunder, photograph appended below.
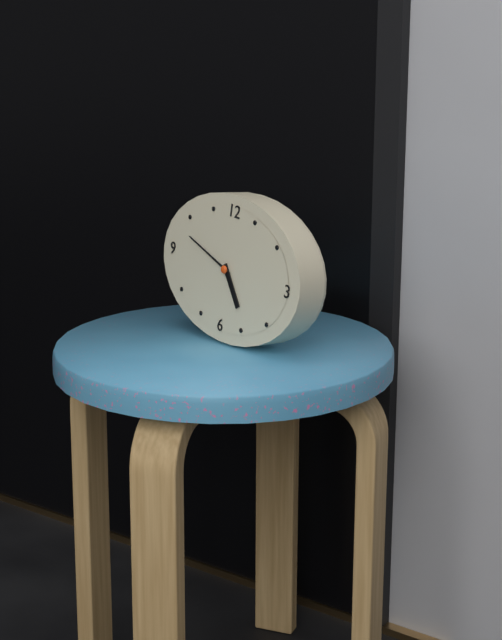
4:48
